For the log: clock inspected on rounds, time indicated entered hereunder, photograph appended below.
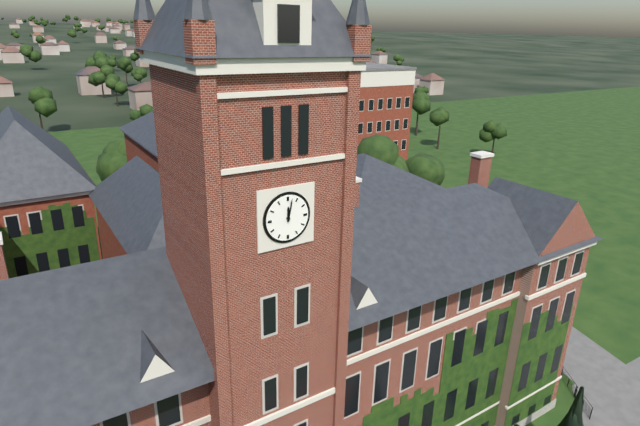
12:02
